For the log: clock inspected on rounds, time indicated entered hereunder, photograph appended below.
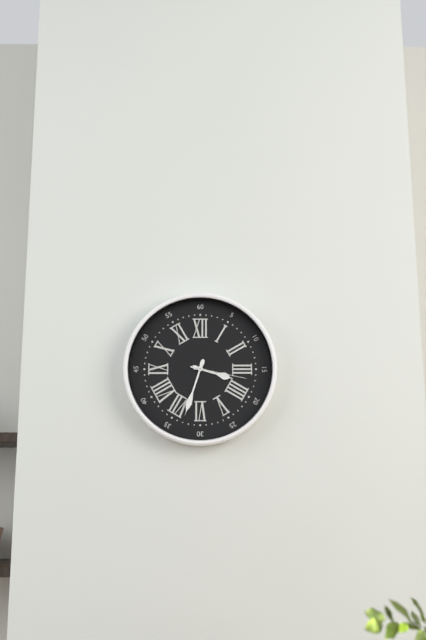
3:33:17
